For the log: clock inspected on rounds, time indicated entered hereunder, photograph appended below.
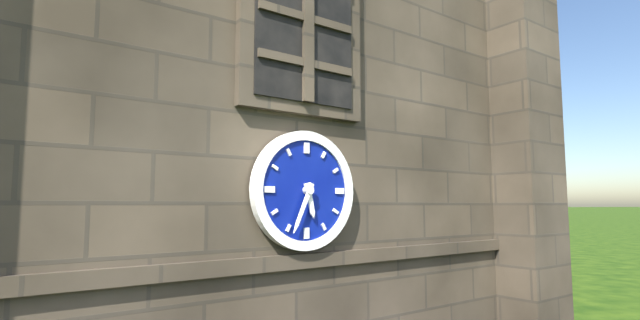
5:34
